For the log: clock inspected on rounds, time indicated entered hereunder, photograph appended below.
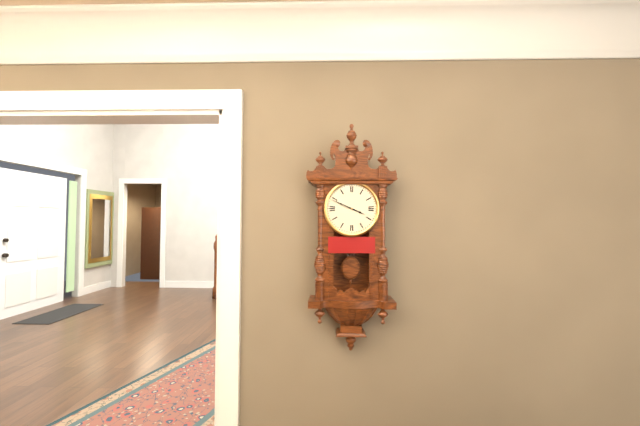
3:49
